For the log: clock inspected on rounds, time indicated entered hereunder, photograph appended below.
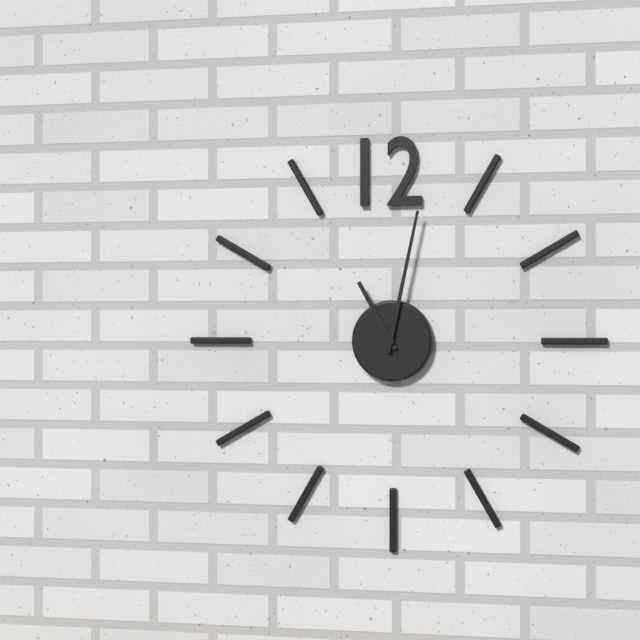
11:02
